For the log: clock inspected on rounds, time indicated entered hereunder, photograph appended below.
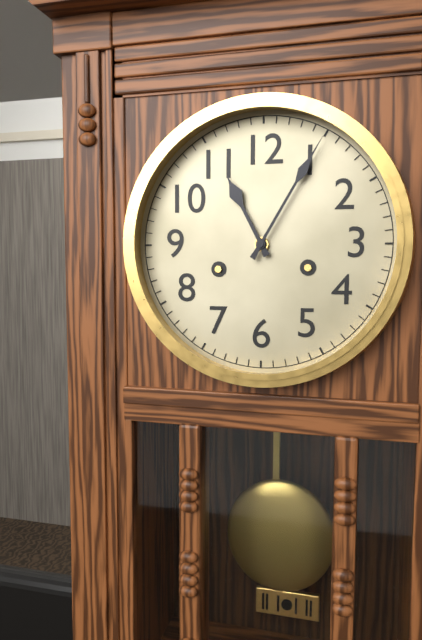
11:05
